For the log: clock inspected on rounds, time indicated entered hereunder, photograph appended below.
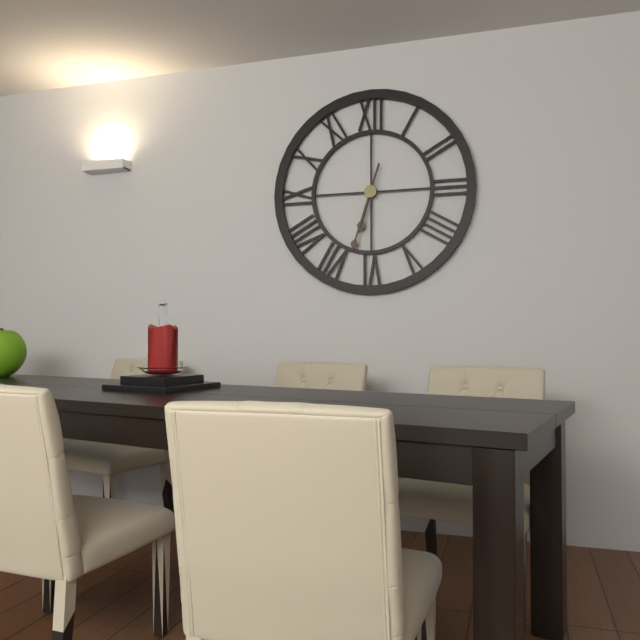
6:33
